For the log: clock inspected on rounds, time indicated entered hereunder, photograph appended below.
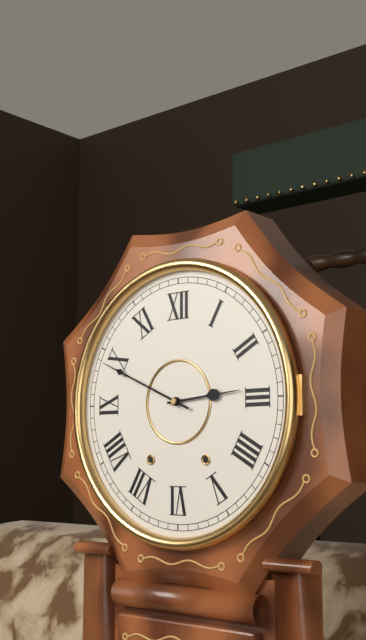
2:49
